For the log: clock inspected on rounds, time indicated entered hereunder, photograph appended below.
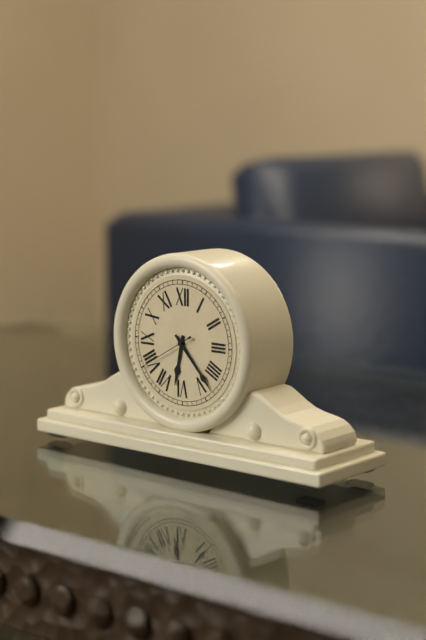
6:23:40
